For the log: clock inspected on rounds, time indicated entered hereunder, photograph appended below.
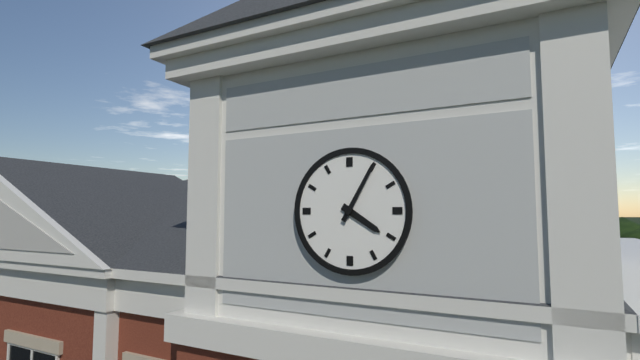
4:05
